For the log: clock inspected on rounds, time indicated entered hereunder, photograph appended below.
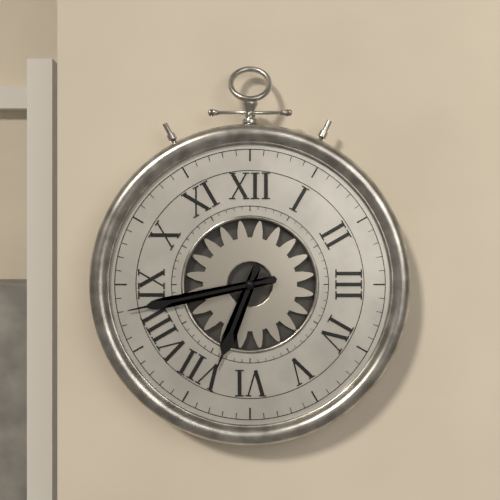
6:43
